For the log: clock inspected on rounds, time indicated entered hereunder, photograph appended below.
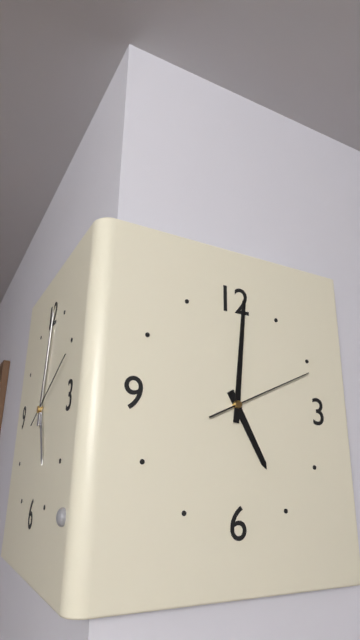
5:01:11
